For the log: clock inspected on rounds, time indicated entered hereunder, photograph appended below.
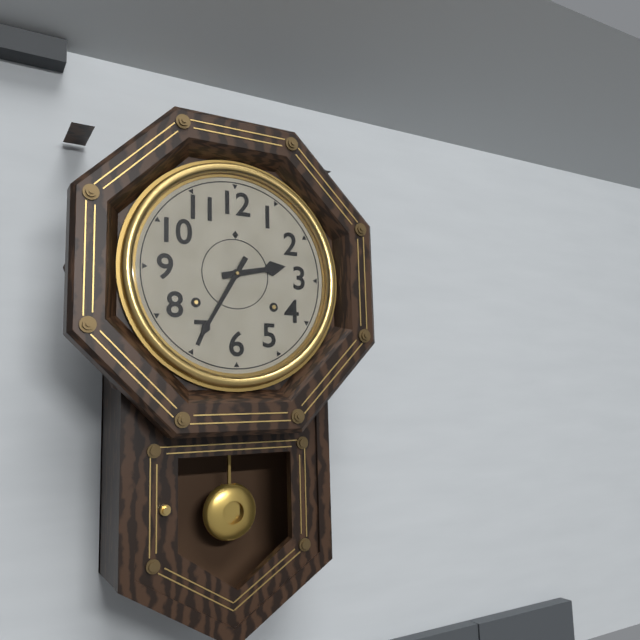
2:35
